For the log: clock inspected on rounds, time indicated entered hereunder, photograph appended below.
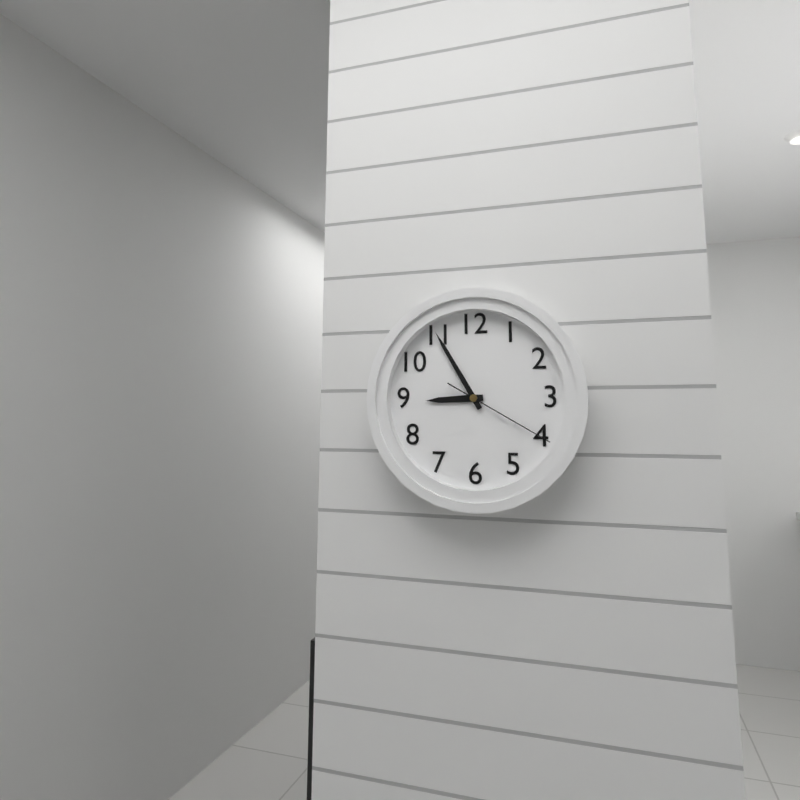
8:55:20
